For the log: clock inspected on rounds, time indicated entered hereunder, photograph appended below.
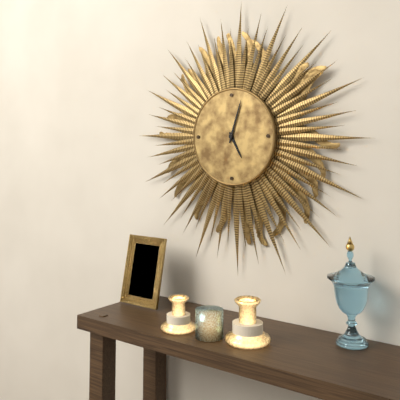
5:03
